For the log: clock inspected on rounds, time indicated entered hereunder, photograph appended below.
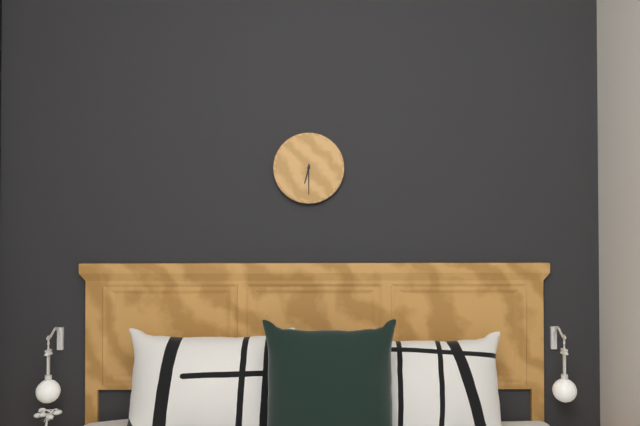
6:30
